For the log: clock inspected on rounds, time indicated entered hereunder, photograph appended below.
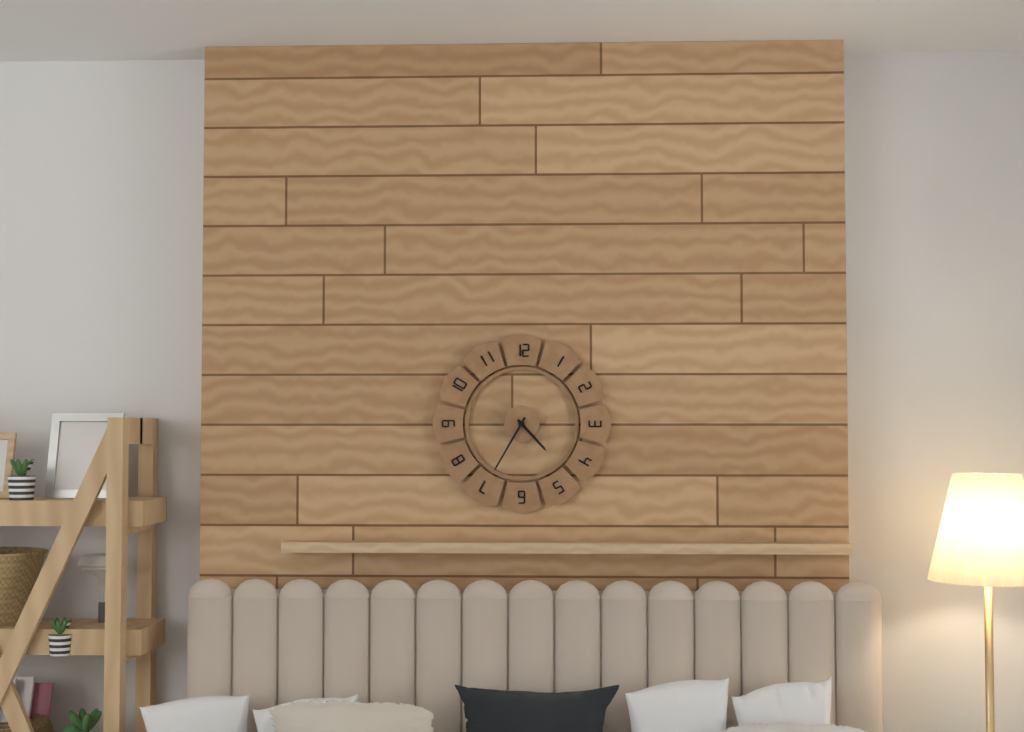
4:35
